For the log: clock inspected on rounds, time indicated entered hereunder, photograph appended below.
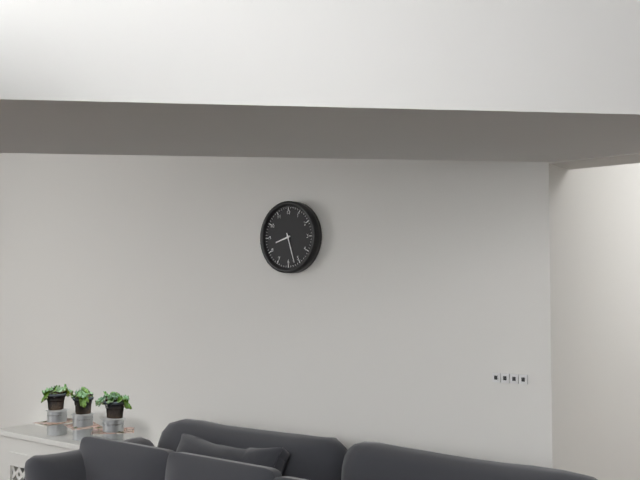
8:27
